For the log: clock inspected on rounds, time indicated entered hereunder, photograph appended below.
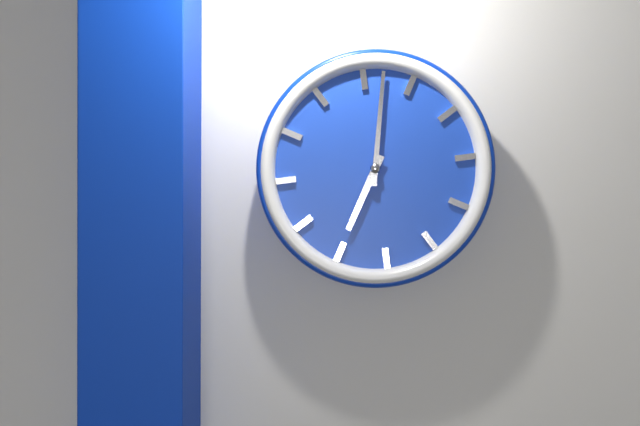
7:02
